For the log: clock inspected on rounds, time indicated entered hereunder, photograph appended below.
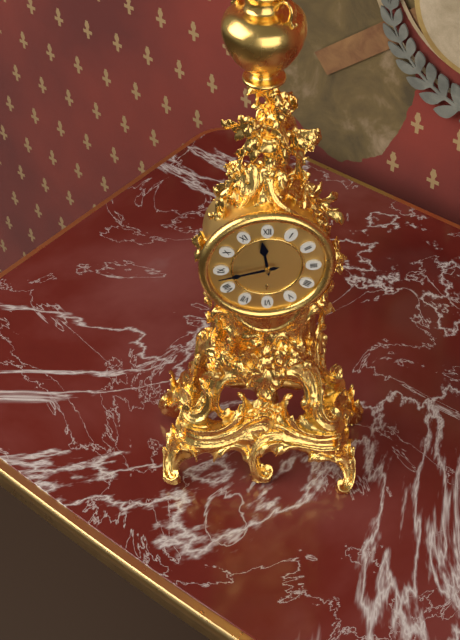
11:43
